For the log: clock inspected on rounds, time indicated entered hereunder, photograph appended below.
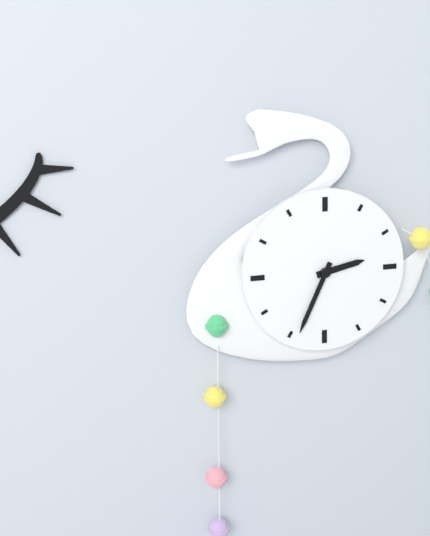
2:34
